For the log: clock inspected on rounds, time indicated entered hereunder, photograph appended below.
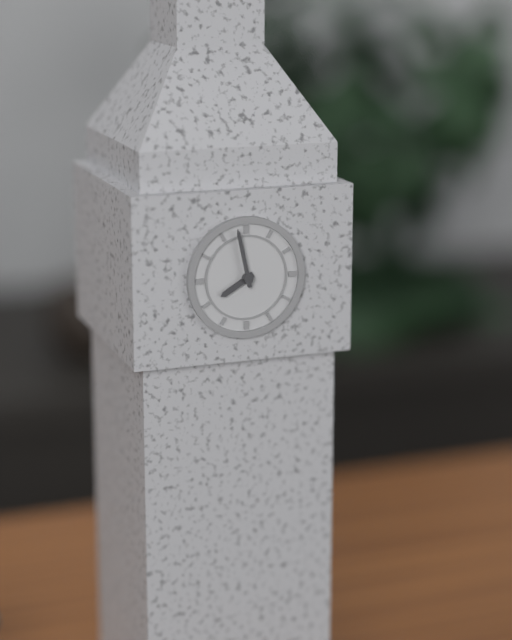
7:58
